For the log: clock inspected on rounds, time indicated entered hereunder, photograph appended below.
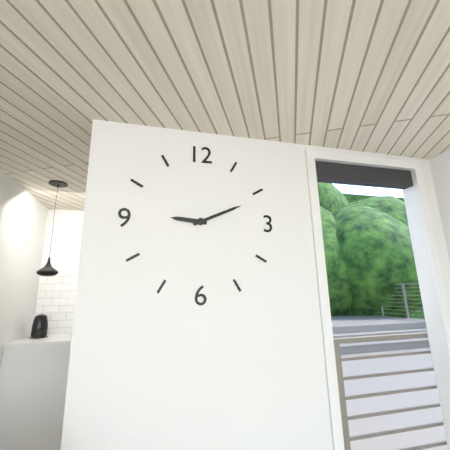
9:11
